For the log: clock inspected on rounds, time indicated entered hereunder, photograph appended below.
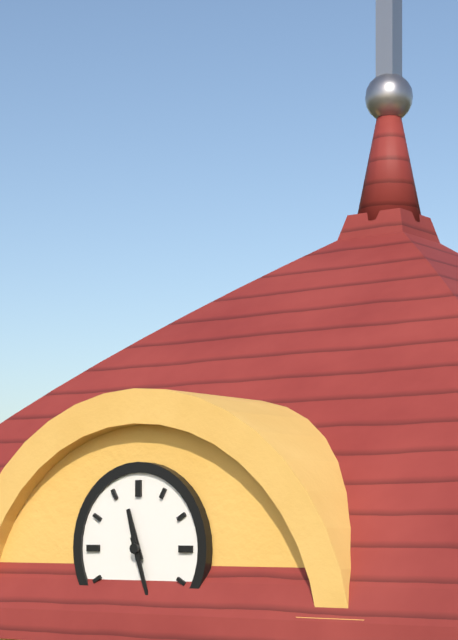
11:27
